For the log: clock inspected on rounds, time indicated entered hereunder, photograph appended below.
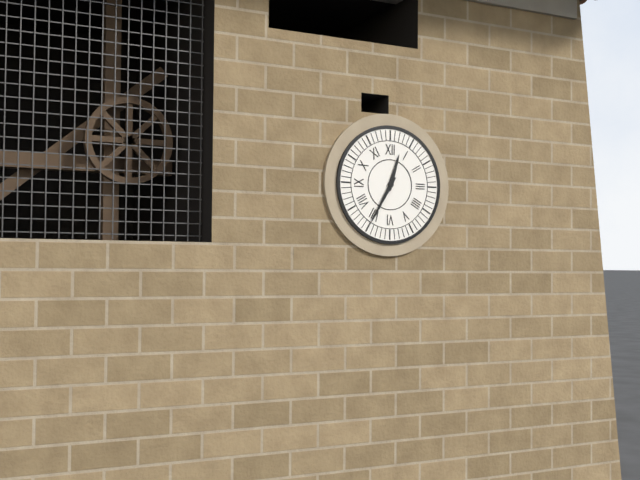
12:35
